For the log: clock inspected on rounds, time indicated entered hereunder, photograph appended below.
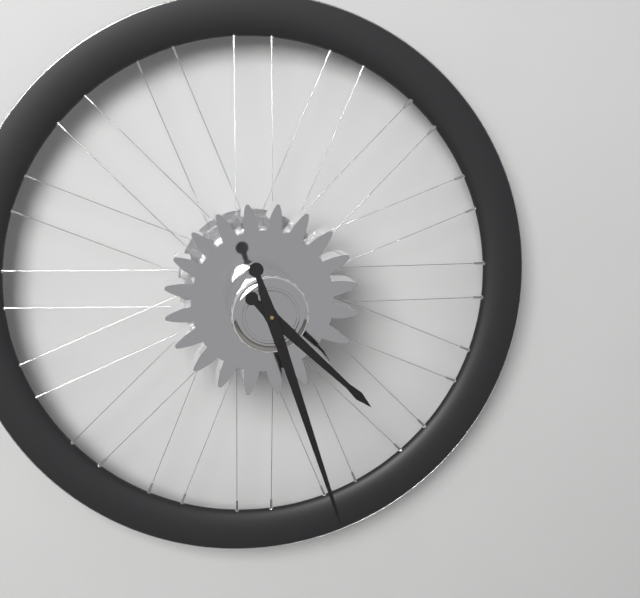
4:27
